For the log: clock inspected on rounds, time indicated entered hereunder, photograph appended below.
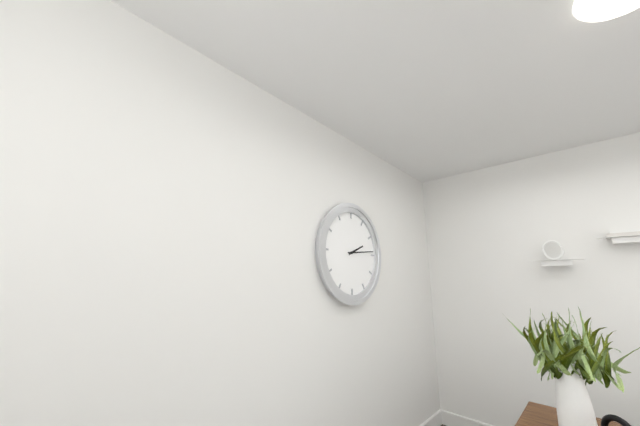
2:14
